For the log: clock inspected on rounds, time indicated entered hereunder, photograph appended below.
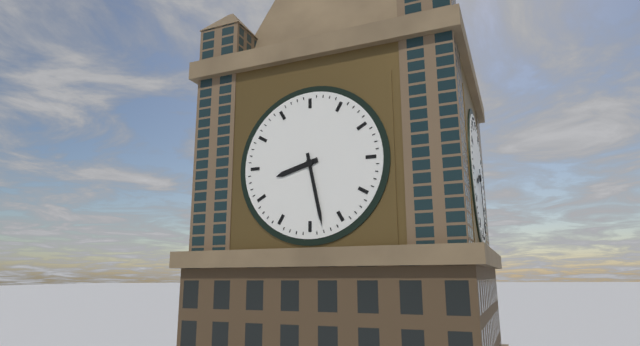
8:28
